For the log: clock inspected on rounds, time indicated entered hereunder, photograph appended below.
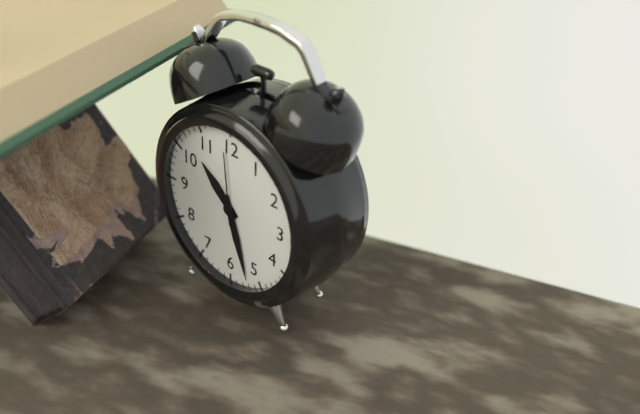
10:27:59
